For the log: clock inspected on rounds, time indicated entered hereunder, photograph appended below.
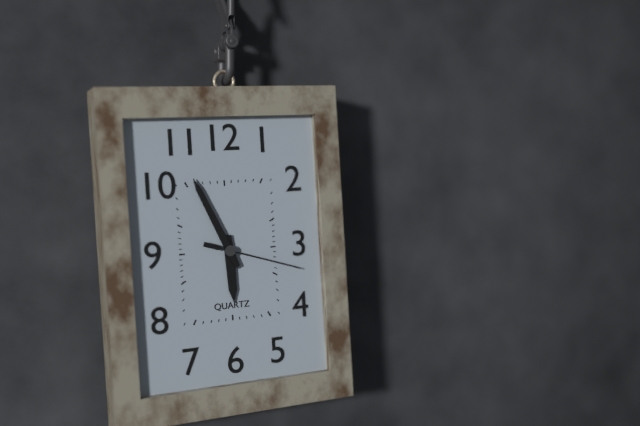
5:56:18
